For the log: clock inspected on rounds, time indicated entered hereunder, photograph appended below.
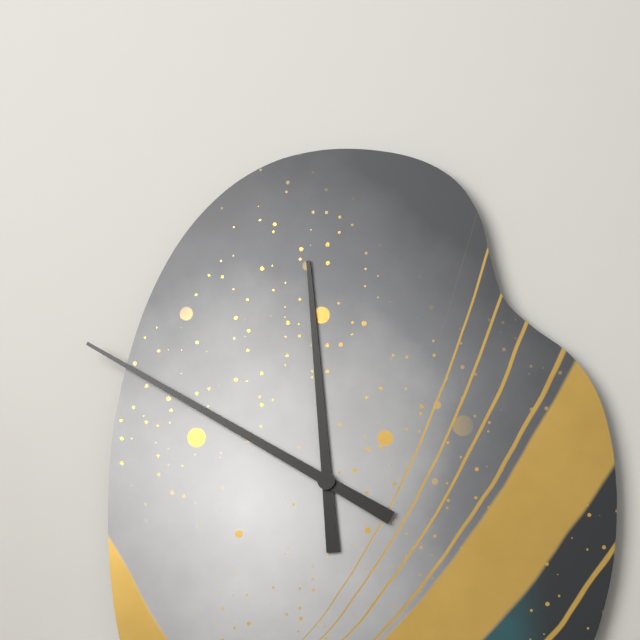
11:50
